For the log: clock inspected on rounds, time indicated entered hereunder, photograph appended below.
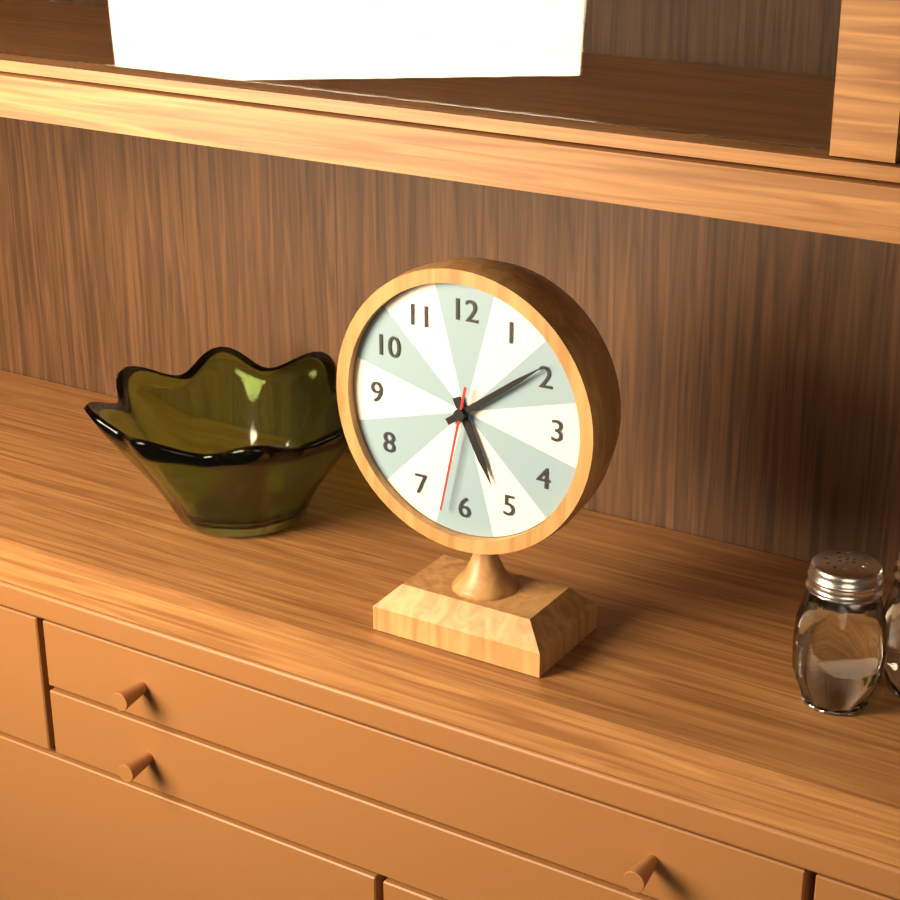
5:09:32
